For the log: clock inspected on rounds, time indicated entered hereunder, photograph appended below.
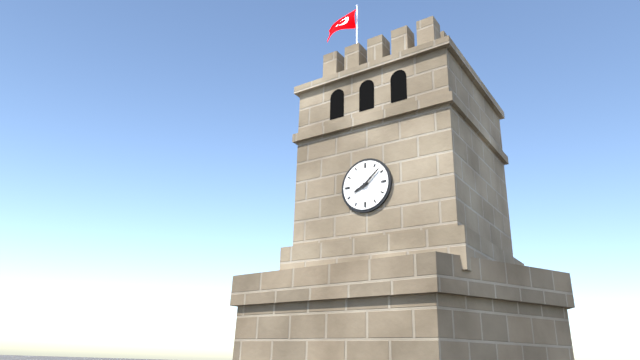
8:08
